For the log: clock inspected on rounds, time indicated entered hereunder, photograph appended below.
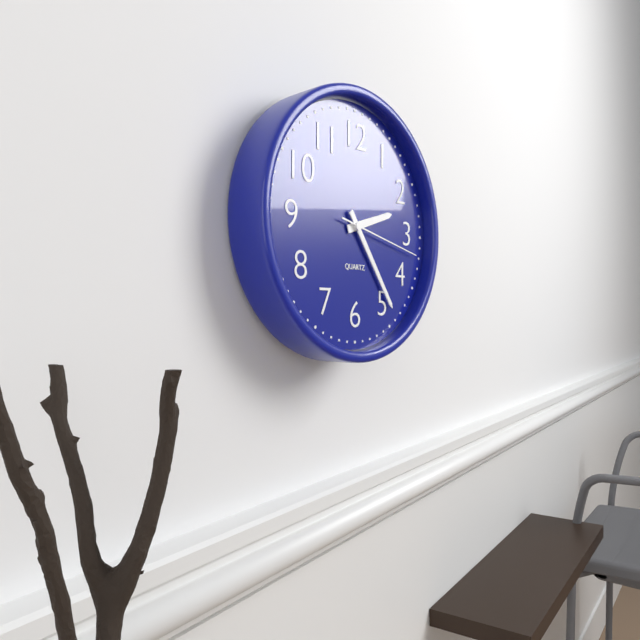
2:24:17
